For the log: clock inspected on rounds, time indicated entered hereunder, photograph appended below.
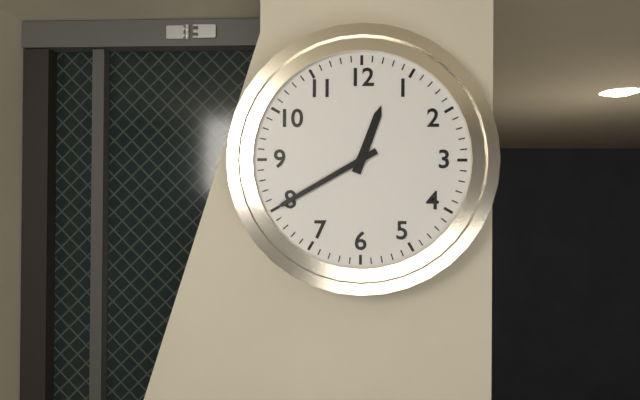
12:40
